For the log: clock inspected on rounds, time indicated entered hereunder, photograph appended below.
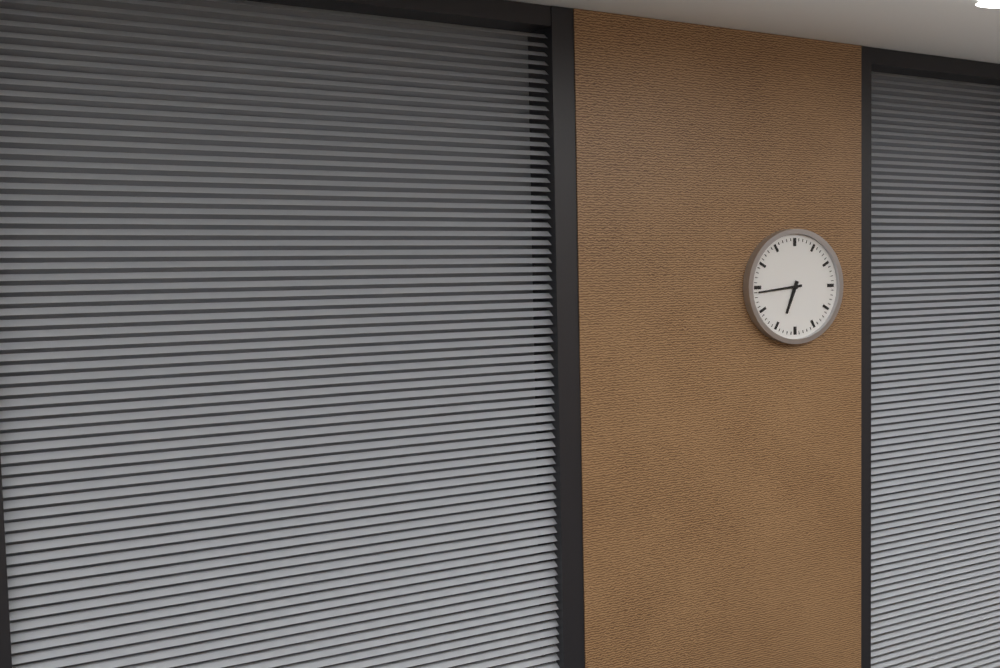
6:44
